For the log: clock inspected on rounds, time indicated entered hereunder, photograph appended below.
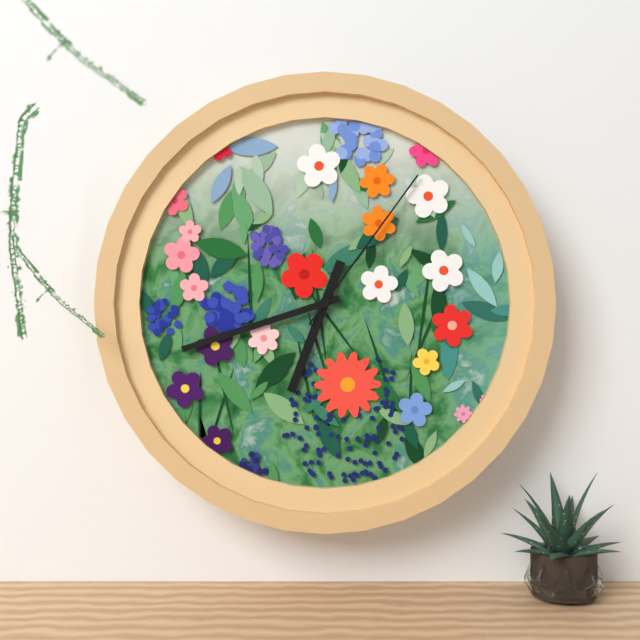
6:42:06
